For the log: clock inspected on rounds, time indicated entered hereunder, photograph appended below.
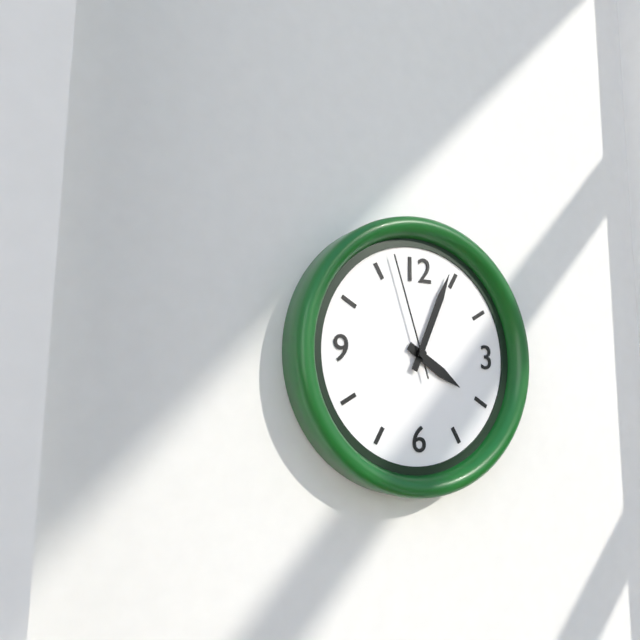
4:04:57
